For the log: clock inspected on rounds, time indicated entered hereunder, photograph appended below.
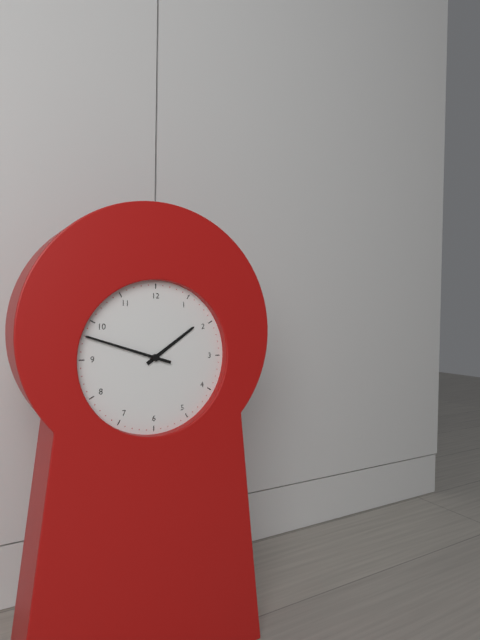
1:48
